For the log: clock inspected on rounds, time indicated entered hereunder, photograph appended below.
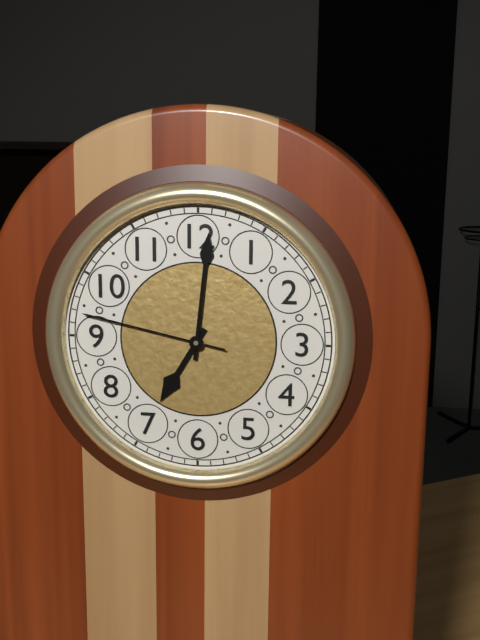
7:01:47
